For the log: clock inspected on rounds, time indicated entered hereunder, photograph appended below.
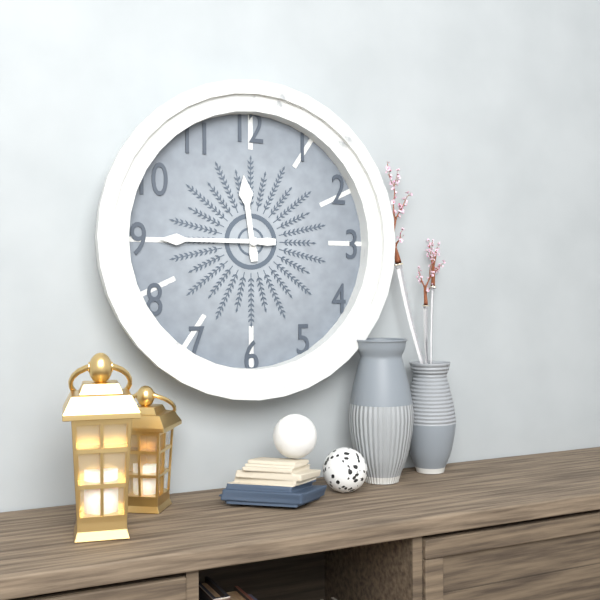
11:45
